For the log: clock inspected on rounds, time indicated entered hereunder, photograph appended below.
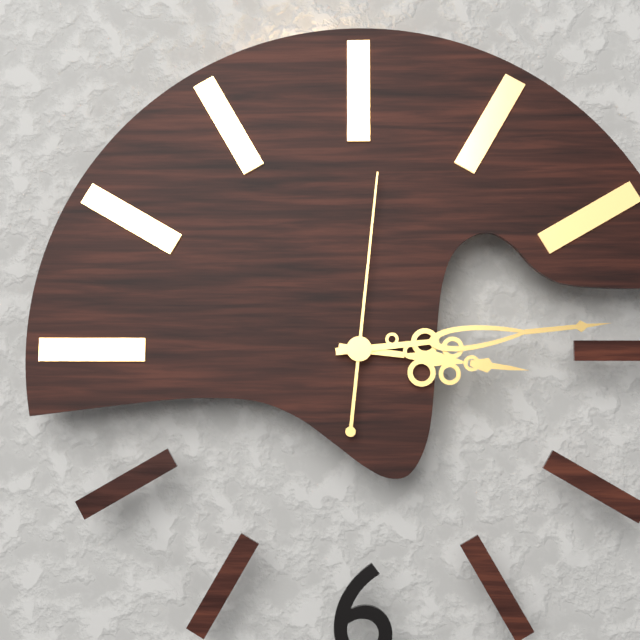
3:14:01
